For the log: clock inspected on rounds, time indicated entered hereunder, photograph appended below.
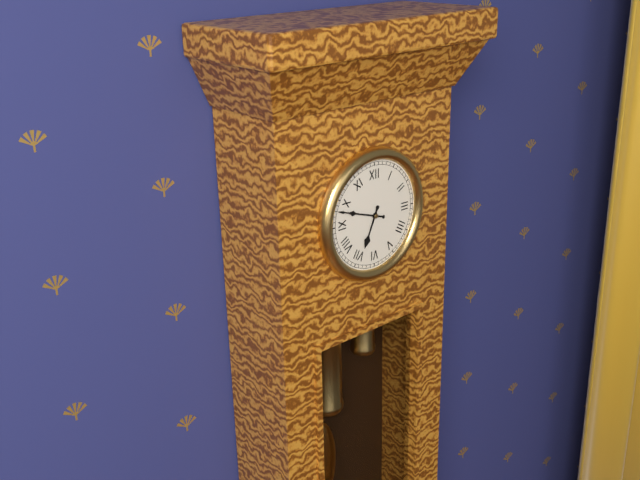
6:48
